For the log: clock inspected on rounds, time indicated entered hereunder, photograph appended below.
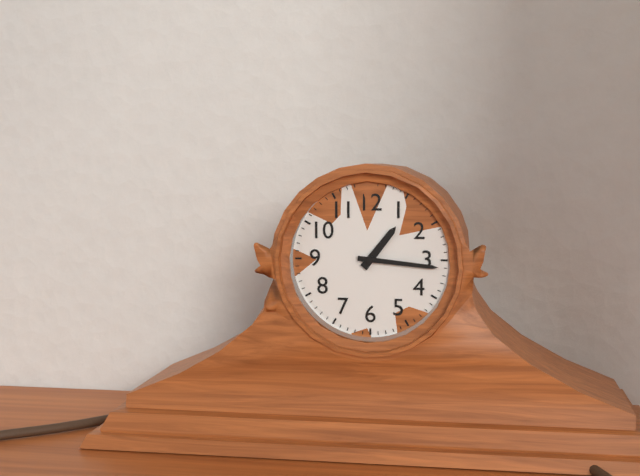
1:16
